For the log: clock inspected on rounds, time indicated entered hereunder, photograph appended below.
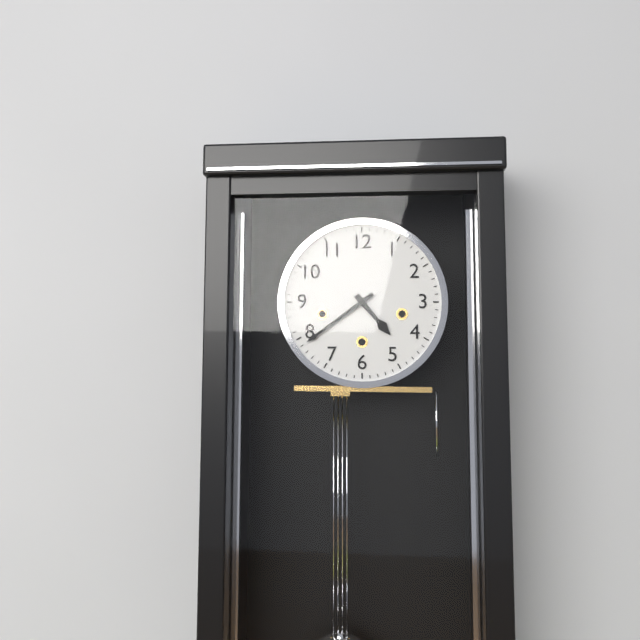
4:39
